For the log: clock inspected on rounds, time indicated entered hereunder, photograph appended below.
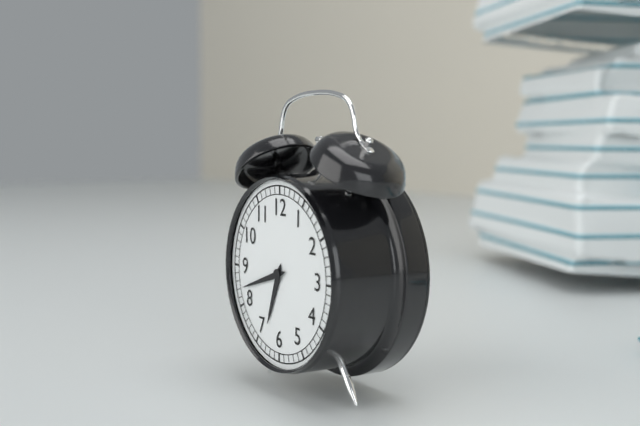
6:42
